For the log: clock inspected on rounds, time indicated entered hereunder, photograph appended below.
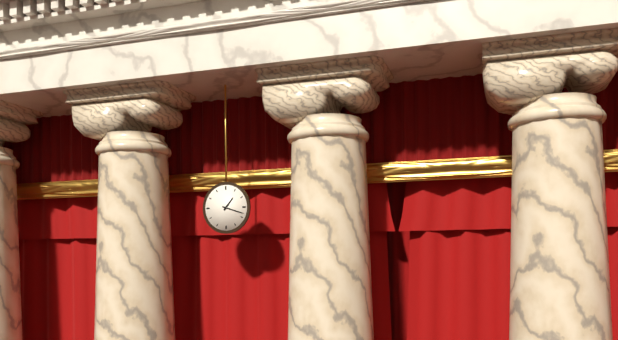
1:18
